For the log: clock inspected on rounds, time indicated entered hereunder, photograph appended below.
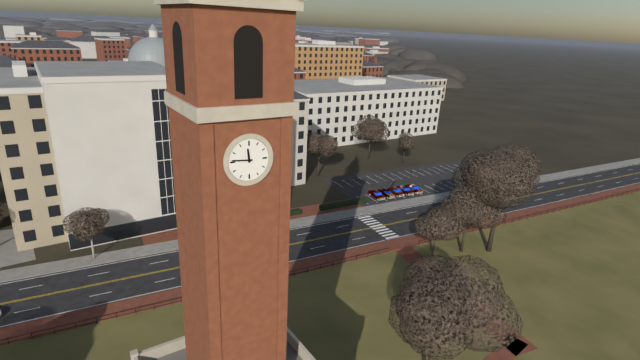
11:46
